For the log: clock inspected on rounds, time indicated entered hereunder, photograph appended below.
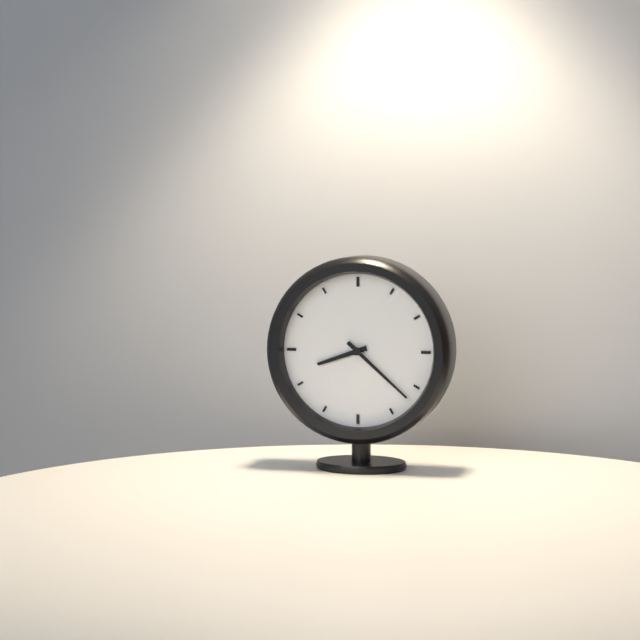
8:22
